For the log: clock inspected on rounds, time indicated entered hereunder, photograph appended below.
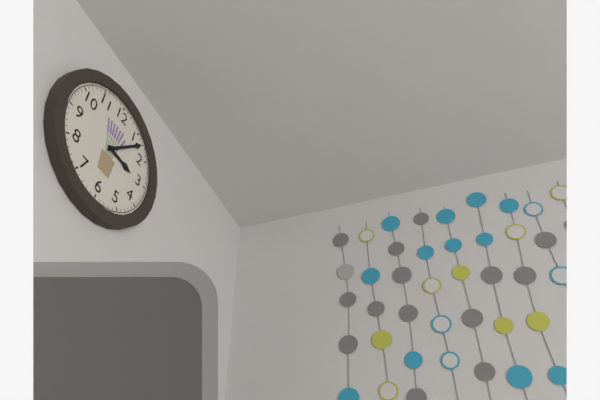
3:07
